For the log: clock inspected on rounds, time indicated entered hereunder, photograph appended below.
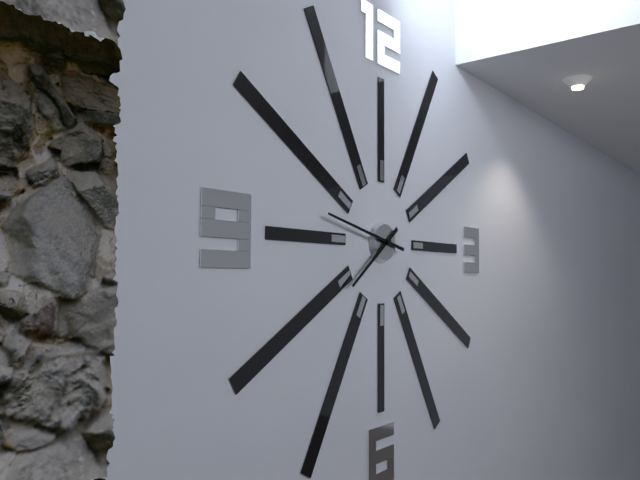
7:47
